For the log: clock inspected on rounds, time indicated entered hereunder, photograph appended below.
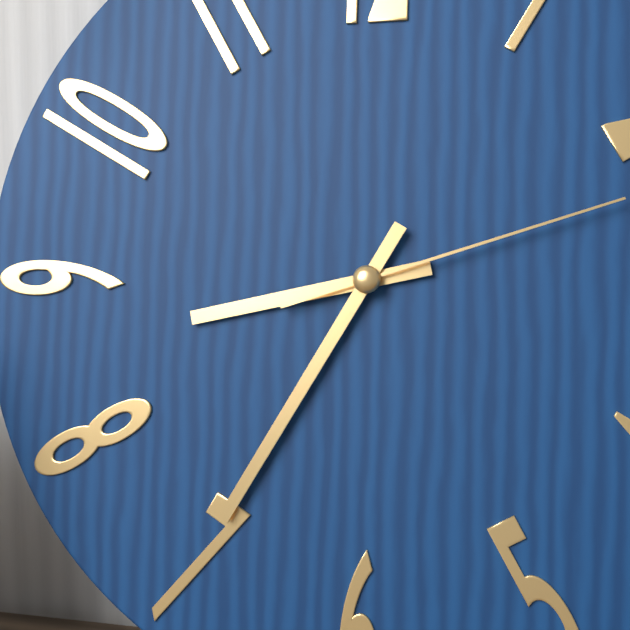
8:35:12
